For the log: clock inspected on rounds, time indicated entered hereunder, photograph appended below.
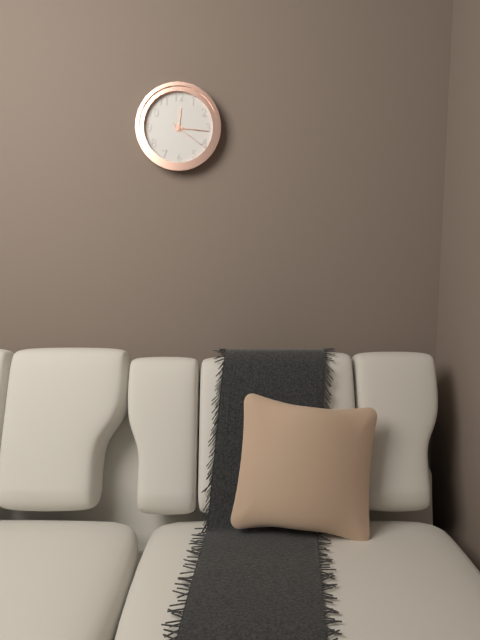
12:16
